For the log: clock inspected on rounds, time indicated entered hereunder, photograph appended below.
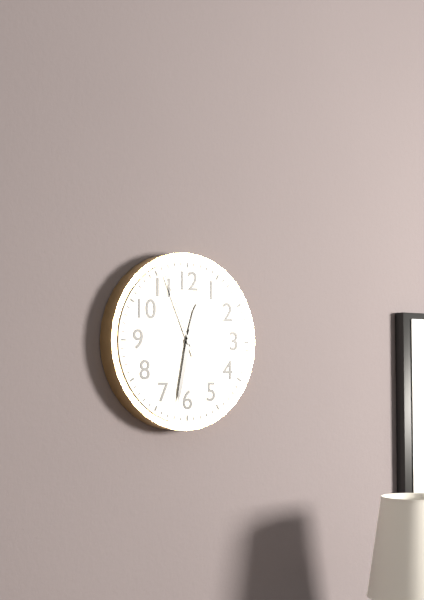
12:32:56
